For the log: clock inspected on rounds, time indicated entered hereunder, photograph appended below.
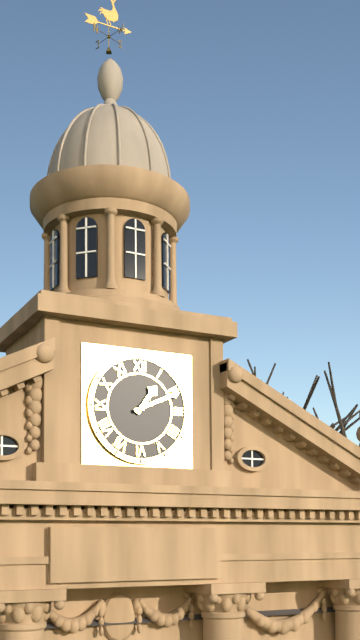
1:11
